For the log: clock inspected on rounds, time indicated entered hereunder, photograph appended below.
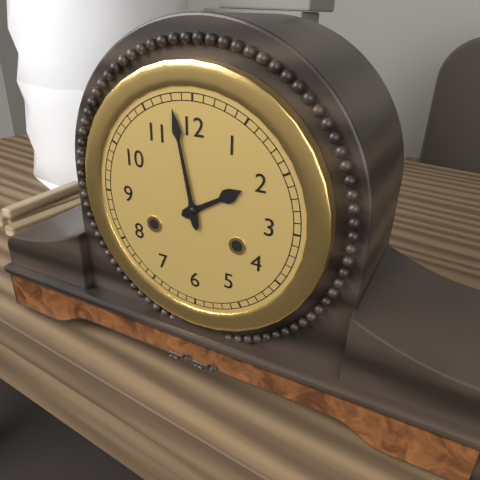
1:58
